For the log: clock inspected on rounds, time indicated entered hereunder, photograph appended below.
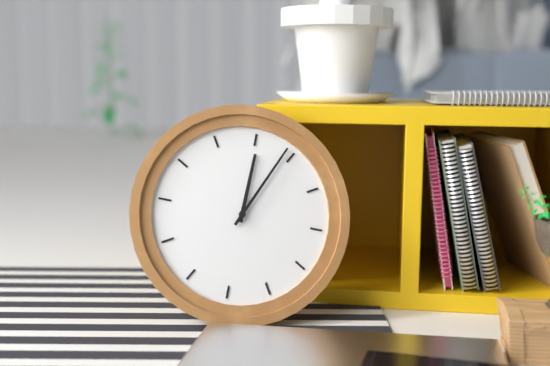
12:04
